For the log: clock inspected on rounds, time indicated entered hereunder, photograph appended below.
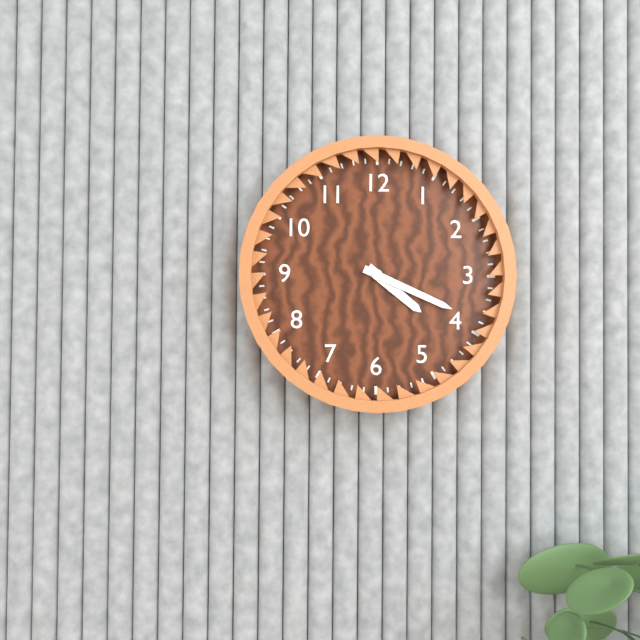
4:19
